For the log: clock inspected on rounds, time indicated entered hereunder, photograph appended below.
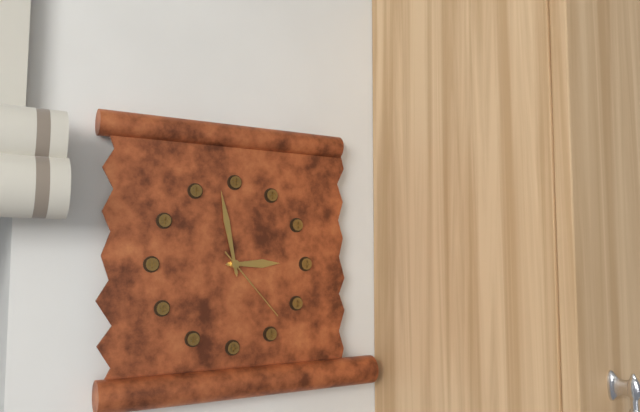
2:58:23
